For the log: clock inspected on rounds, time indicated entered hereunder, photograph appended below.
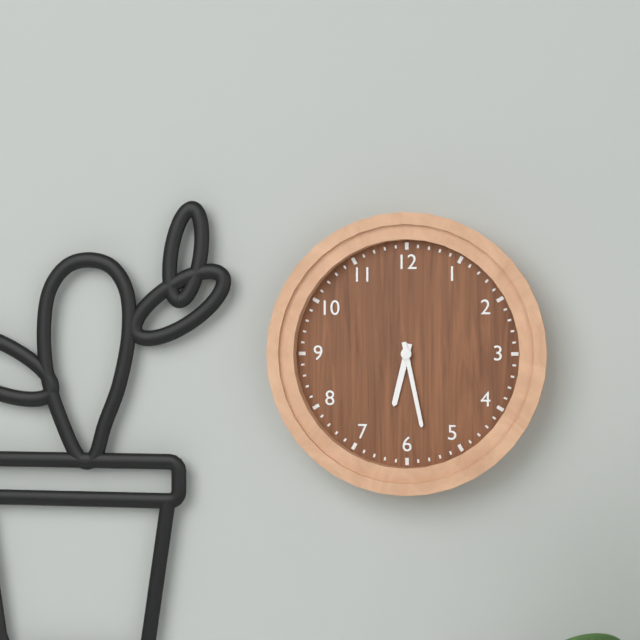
6:28
